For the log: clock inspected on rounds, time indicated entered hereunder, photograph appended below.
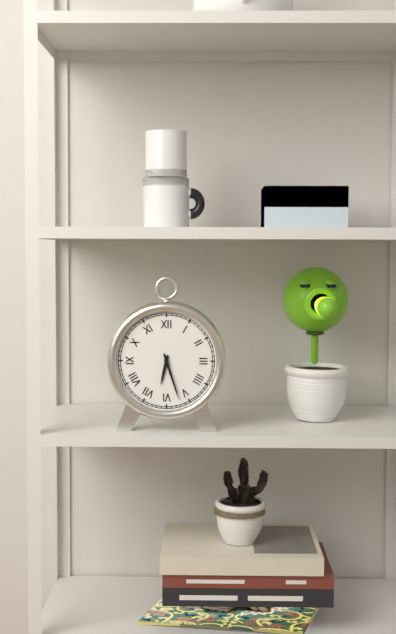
6:27
